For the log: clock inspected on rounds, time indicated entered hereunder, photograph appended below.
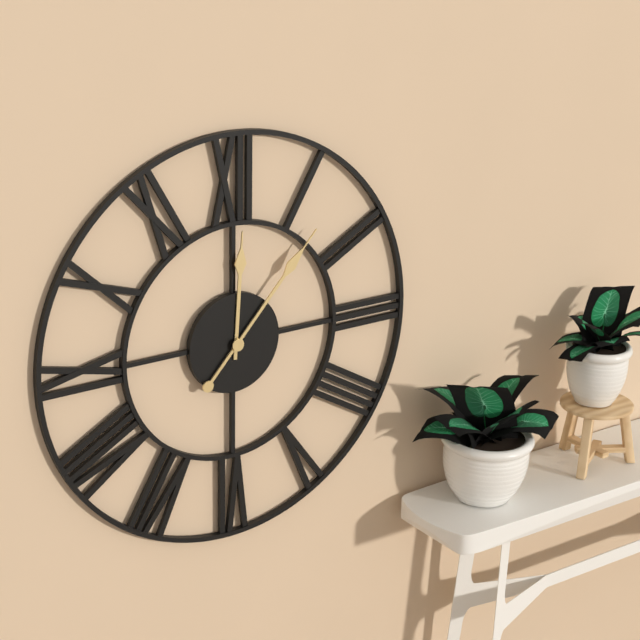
12:07
